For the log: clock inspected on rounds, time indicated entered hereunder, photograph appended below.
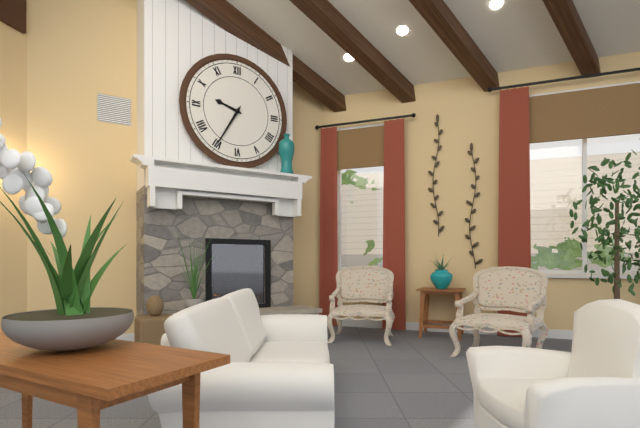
9:35
